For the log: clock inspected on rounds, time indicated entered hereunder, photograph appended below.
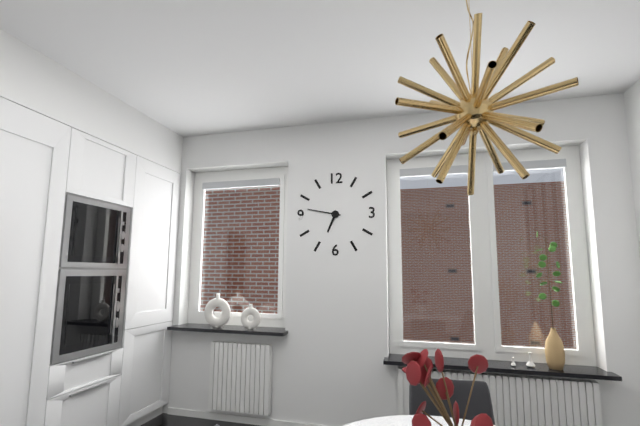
6:47
